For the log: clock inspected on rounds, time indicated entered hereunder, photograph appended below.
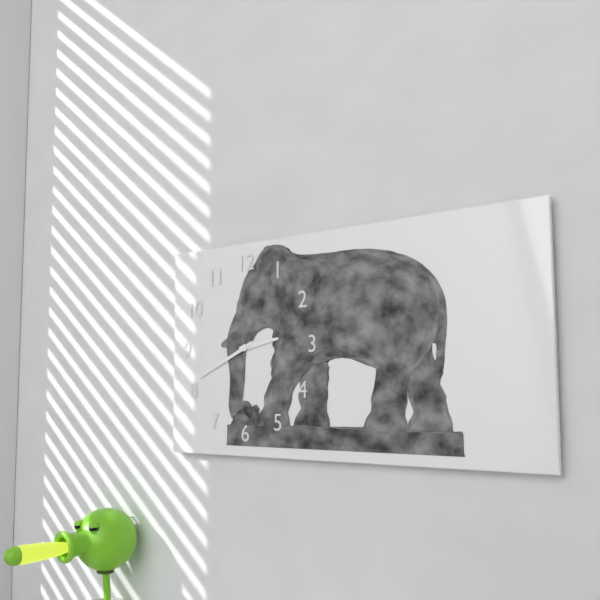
2:41
